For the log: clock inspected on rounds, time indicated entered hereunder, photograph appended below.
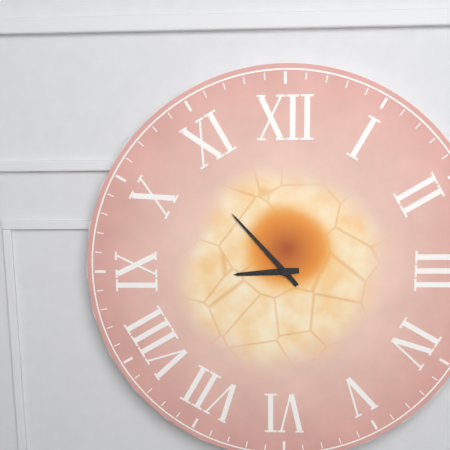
8:53
